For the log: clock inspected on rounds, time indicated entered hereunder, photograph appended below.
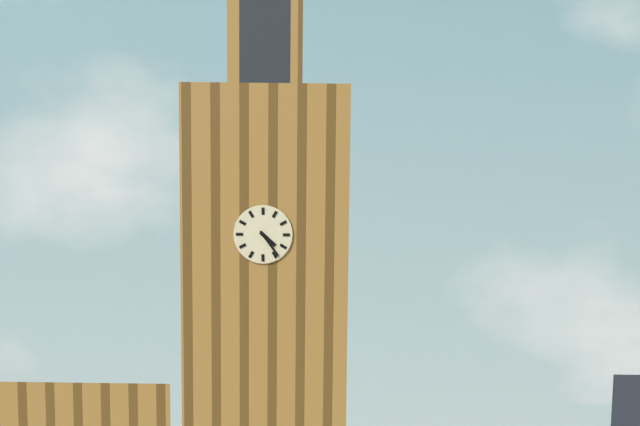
4:24
